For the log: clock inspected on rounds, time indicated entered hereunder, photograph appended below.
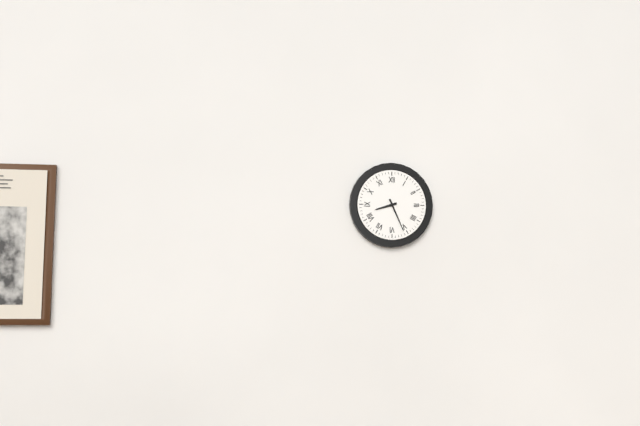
8:26
